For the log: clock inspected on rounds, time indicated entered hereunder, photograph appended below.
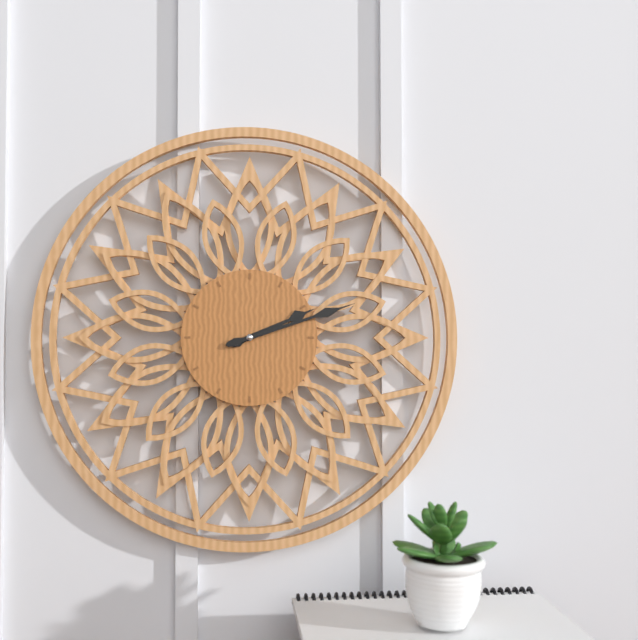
2:12
